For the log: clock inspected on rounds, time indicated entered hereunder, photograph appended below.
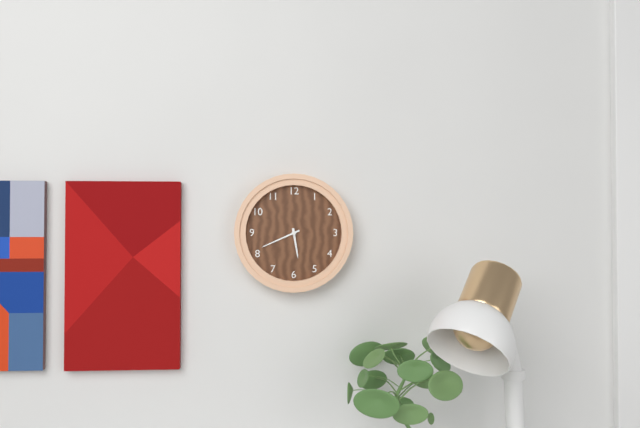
5:41
